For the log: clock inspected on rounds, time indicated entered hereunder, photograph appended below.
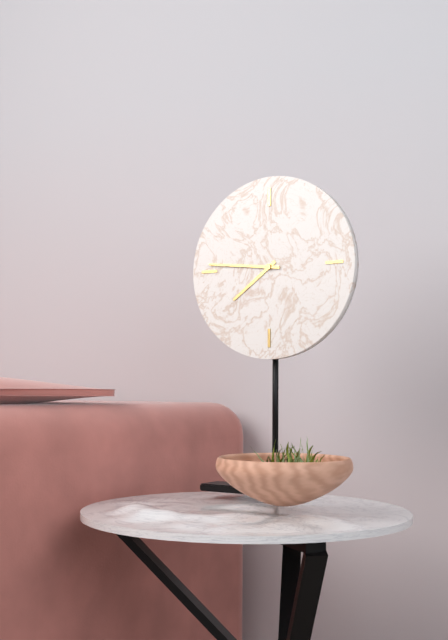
7:46
